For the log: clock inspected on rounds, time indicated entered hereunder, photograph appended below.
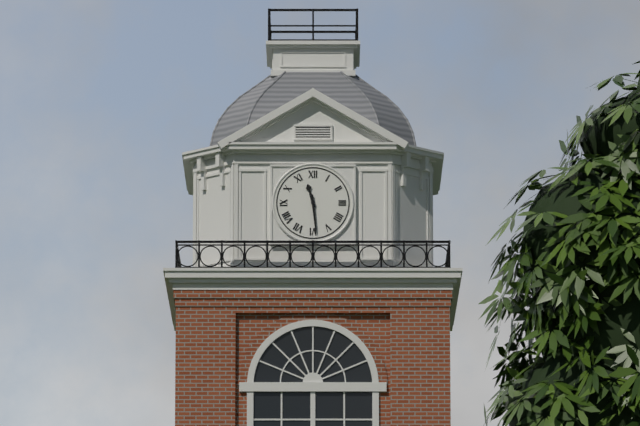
11:29
